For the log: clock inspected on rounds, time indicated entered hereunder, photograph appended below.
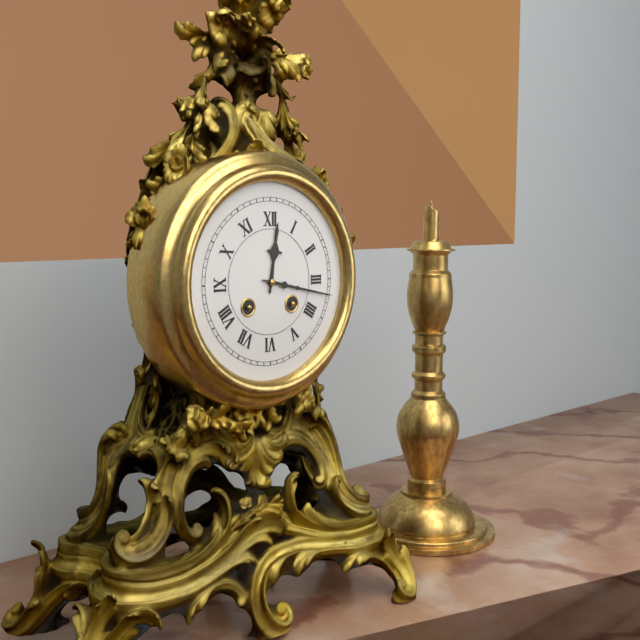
12:17
